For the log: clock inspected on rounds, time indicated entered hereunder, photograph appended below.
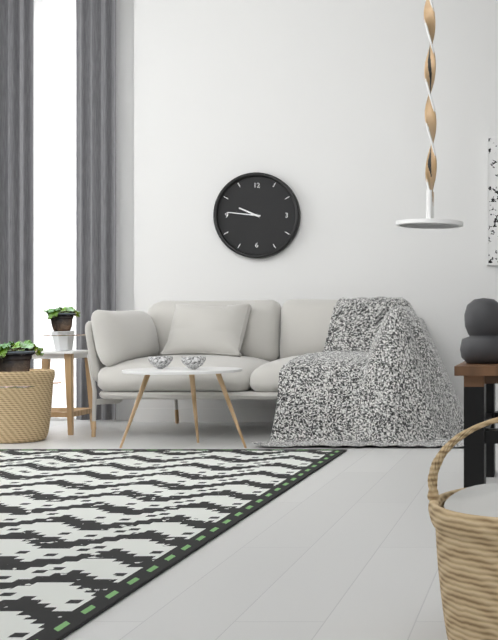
9:46
